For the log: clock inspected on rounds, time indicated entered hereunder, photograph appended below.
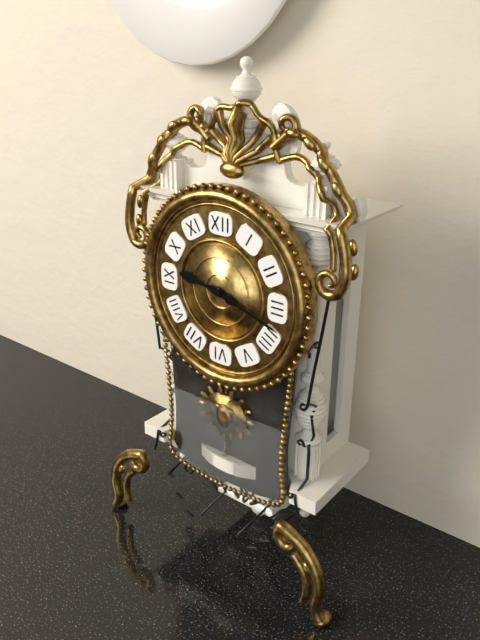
9:18
